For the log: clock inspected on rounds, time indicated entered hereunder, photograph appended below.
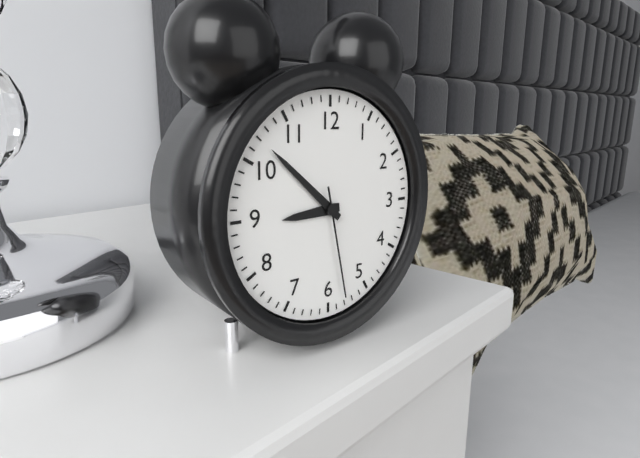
8:52:28
